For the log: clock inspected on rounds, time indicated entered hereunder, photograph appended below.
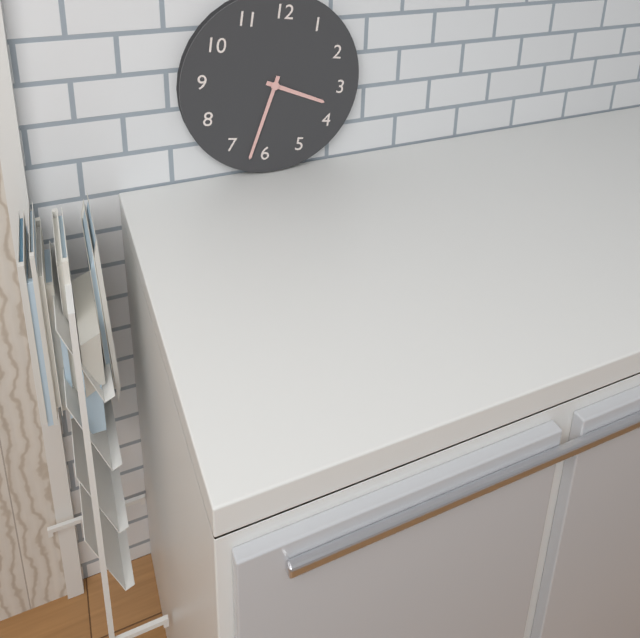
3:32
